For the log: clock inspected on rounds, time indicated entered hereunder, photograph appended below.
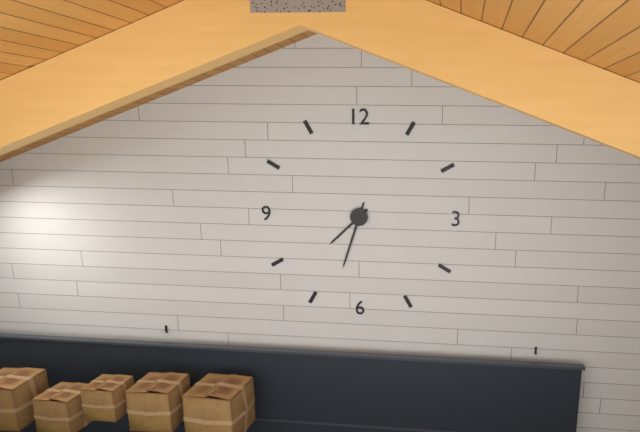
7:33
